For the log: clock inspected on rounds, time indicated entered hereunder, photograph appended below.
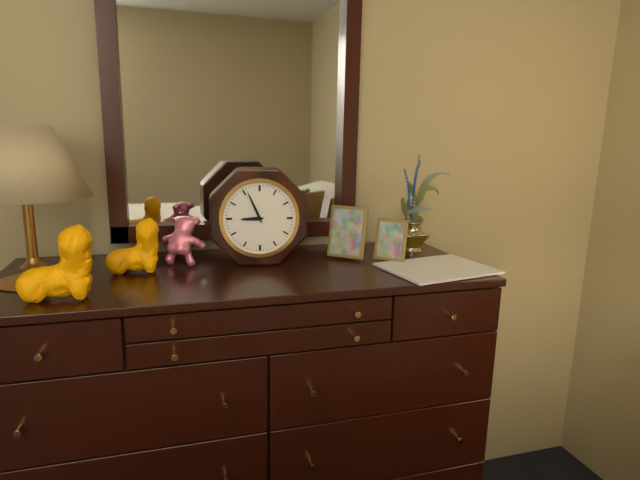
8:56
